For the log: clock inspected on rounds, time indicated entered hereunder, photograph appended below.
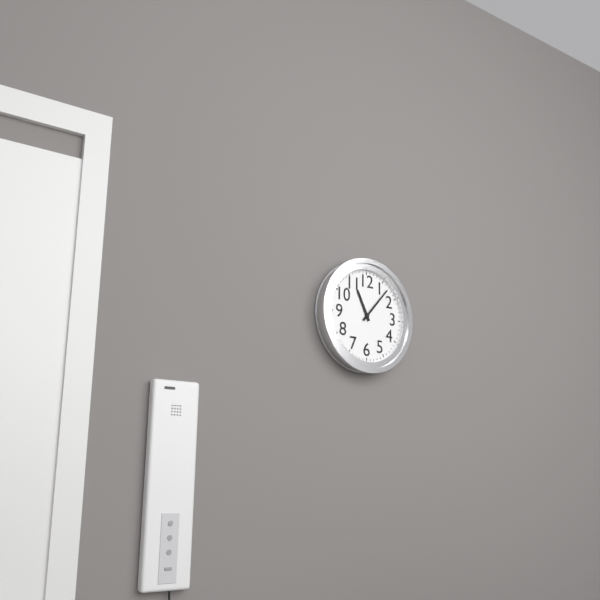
11:07
